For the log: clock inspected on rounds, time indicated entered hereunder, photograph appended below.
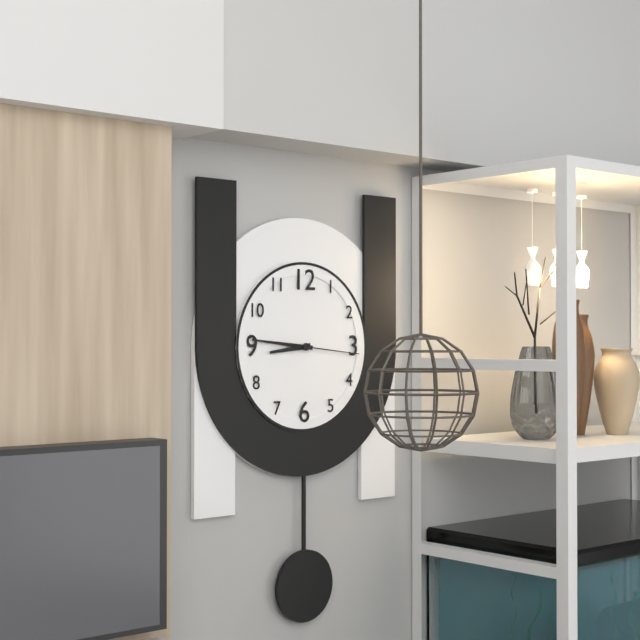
8:46:16
